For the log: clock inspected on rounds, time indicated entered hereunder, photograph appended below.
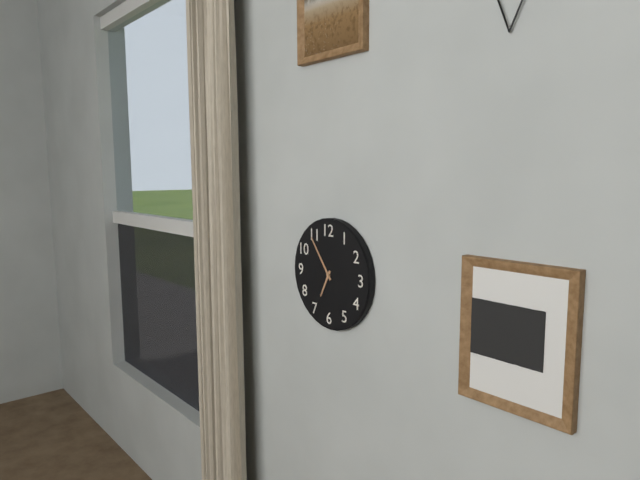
6:54
